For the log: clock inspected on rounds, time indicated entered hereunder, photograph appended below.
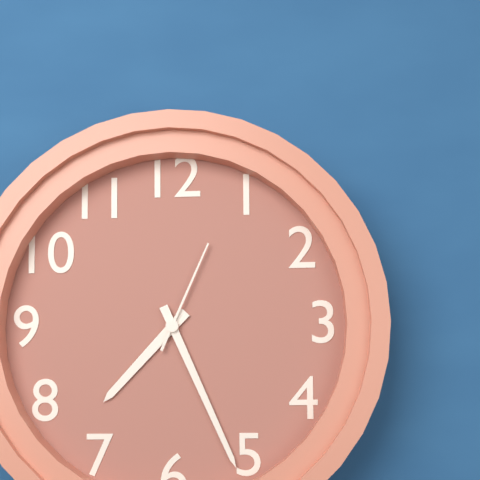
7:26:04
